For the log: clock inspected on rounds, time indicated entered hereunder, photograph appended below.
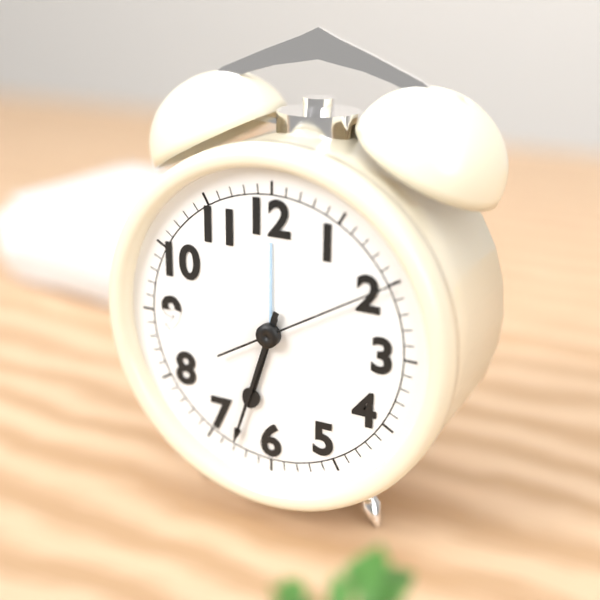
6:33:10
